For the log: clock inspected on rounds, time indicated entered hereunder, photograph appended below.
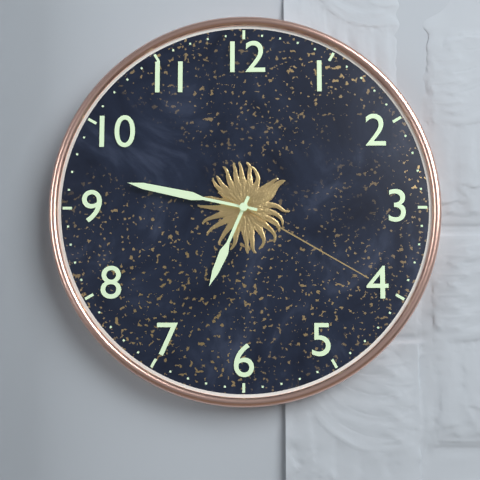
6:47:20
